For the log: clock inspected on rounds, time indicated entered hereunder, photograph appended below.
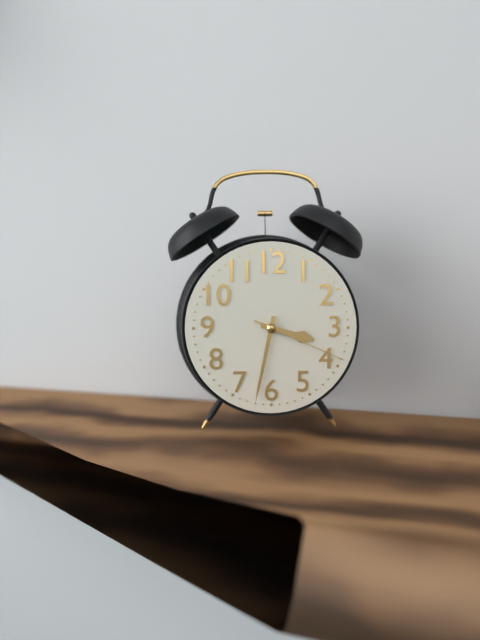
3:32:19
